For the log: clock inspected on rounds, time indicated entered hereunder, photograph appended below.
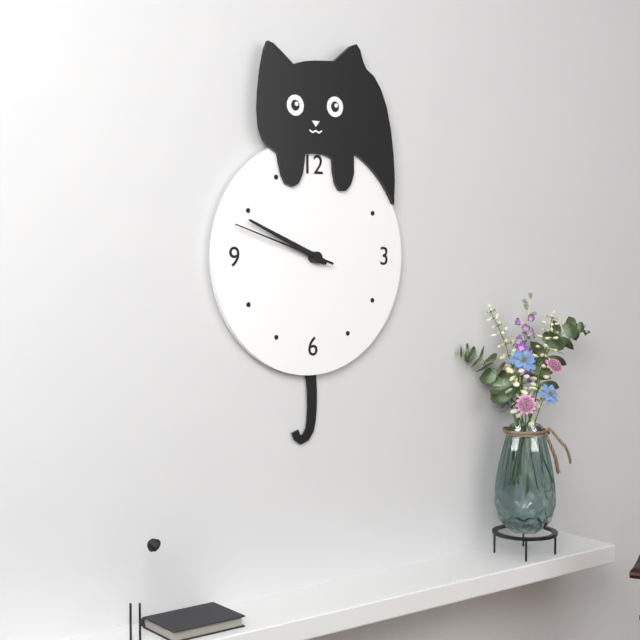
9:49:48
